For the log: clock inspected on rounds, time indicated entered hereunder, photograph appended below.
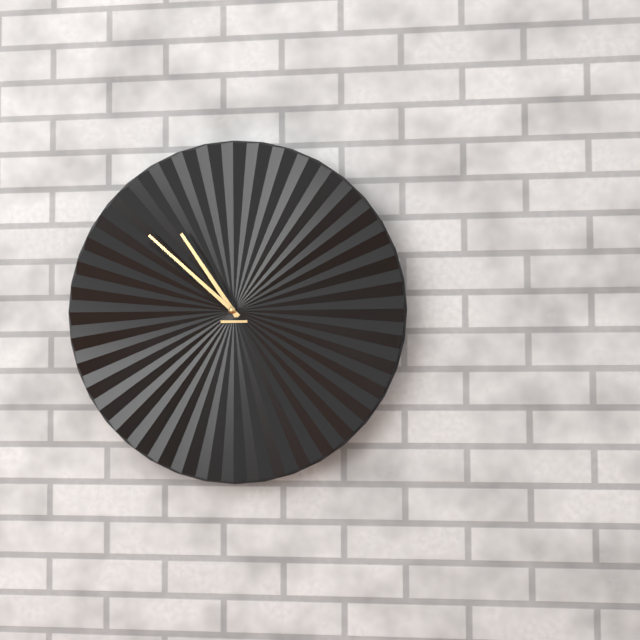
10:52
